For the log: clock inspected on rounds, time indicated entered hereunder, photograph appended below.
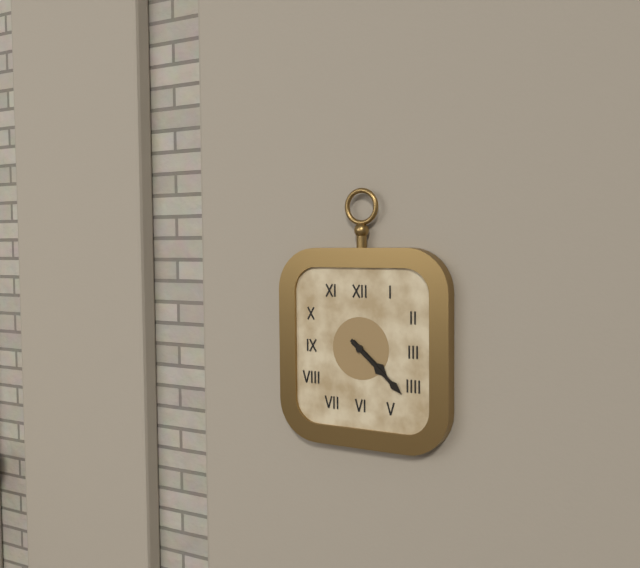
4:22
